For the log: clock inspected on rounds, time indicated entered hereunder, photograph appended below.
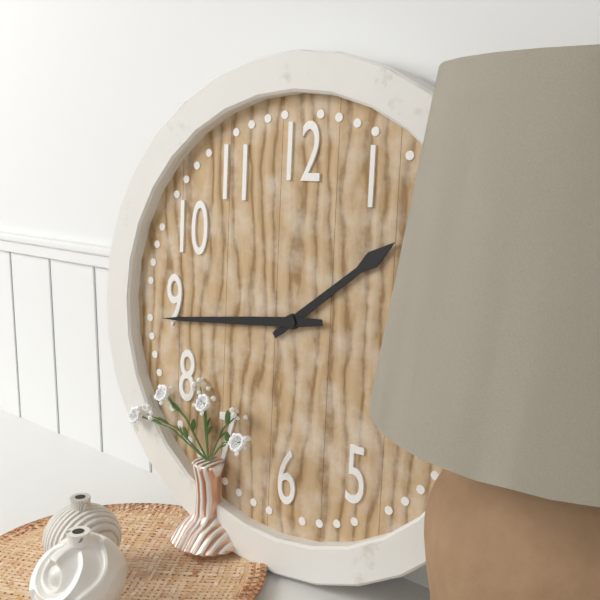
1:44
